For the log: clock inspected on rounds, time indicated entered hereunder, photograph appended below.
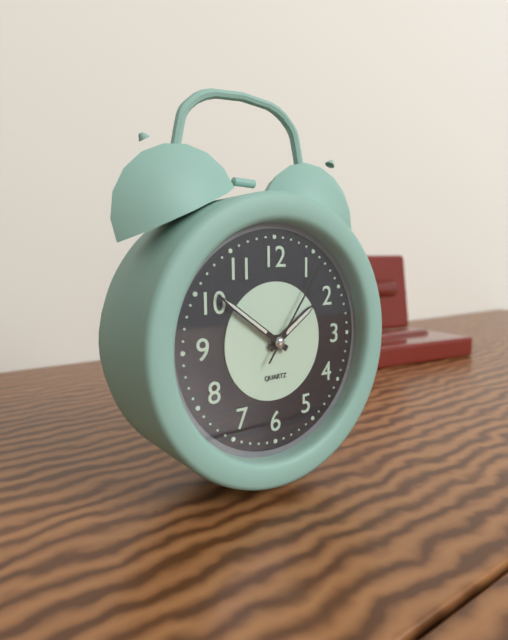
1:51:06
